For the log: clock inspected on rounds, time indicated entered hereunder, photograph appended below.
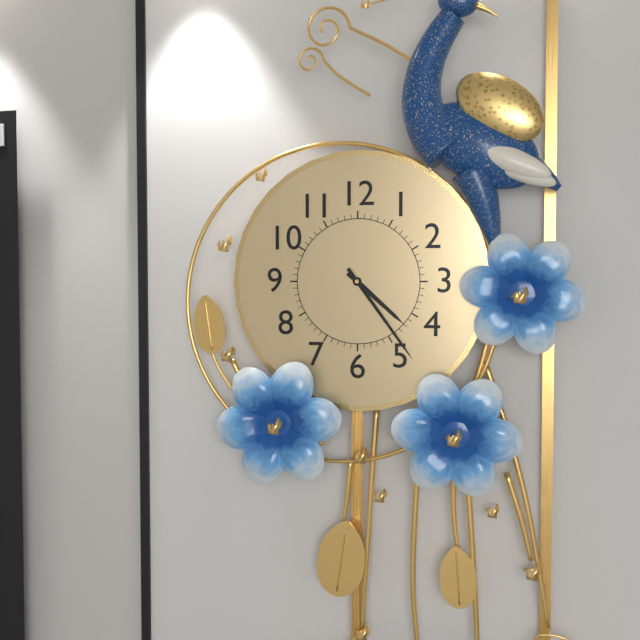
4:24
